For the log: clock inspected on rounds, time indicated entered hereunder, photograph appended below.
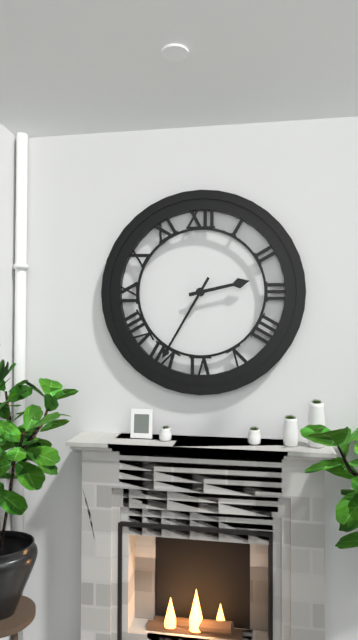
2:35
